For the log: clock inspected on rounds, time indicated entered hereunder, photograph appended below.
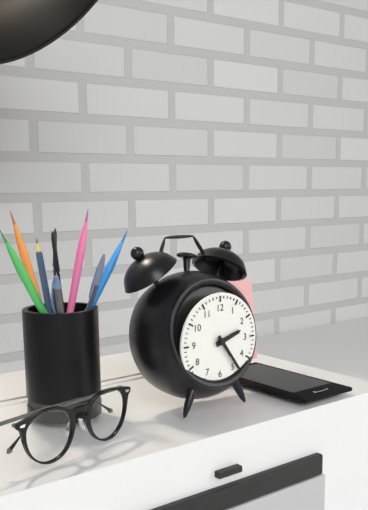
2:24
